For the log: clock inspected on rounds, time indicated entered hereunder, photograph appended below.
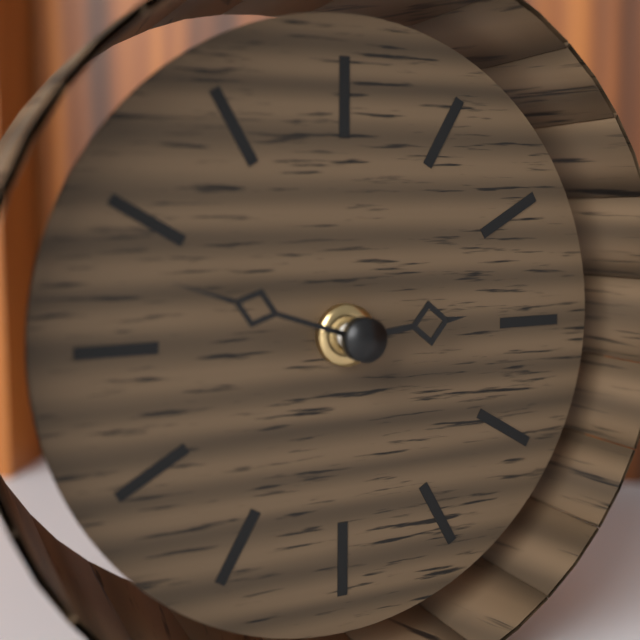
2:48
